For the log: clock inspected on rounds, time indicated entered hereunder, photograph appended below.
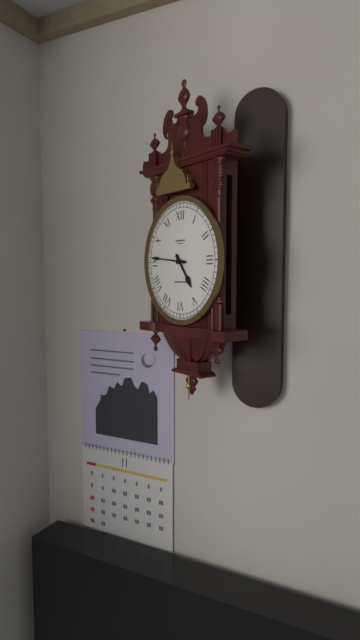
4:46
